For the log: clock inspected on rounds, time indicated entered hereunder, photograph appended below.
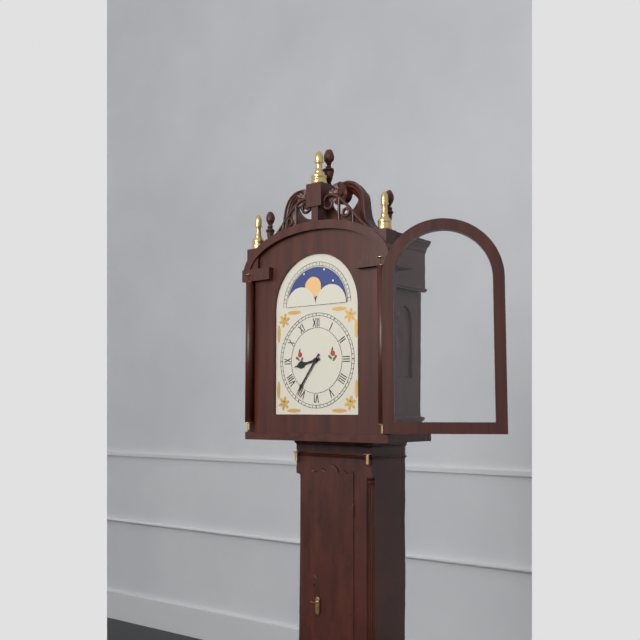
8:36
